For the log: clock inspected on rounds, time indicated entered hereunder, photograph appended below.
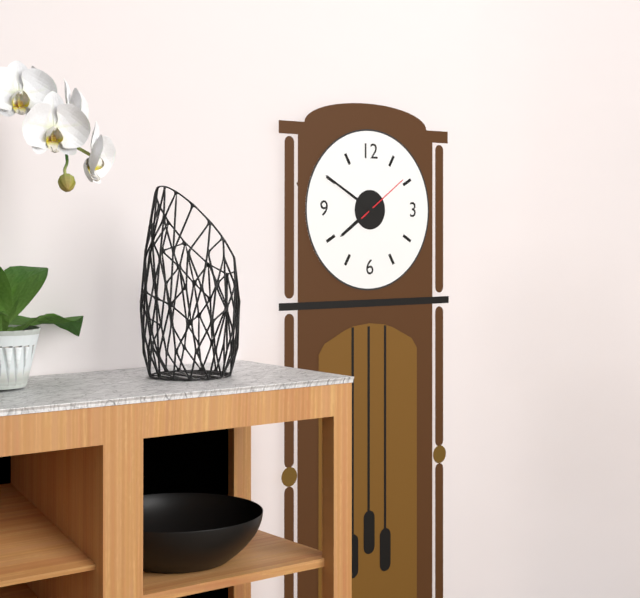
7:50:09
